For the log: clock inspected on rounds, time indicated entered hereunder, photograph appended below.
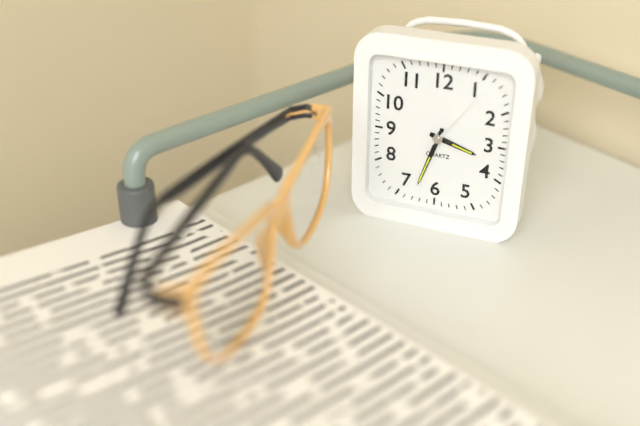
3:33:06
